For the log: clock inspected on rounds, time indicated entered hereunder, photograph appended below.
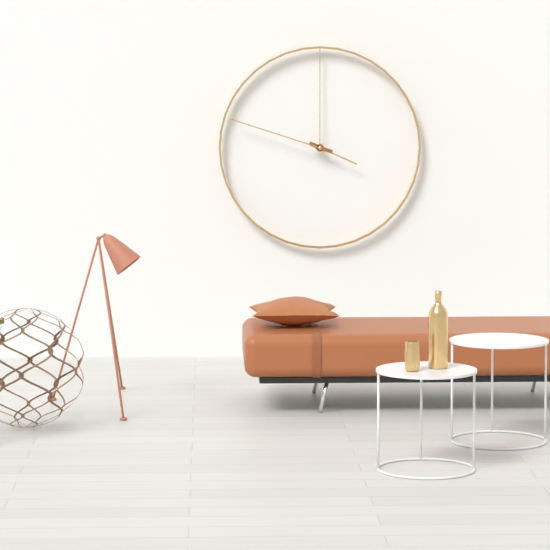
3:48
